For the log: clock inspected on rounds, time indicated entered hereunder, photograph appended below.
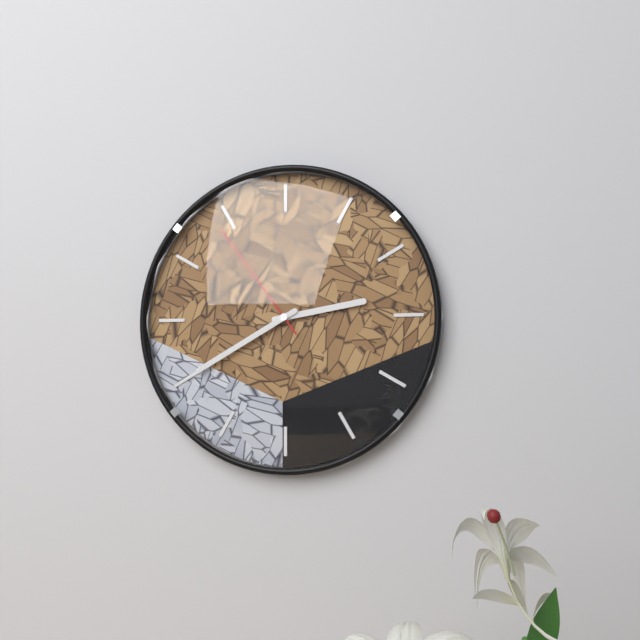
2:40:54
